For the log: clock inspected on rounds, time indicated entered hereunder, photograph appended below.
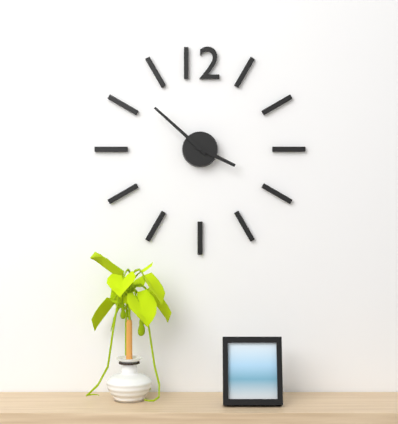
3:52
